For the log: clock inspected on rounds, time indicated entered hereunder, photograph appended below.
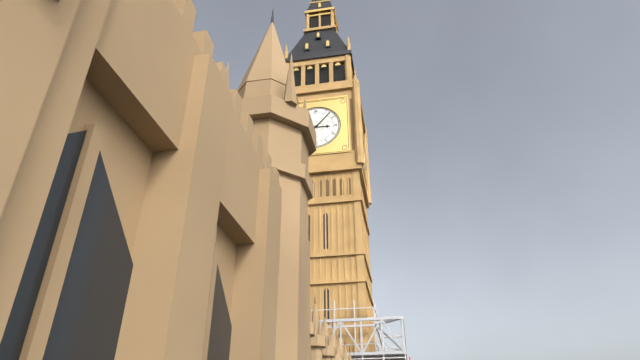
3:07
